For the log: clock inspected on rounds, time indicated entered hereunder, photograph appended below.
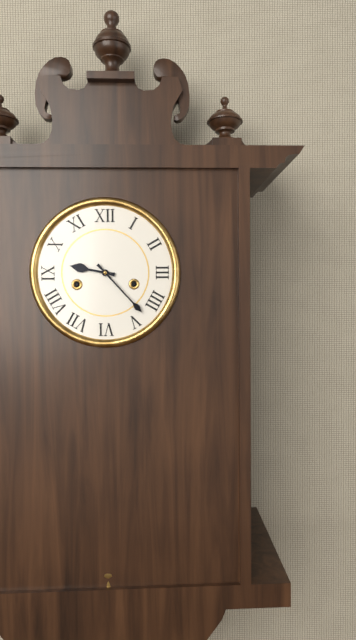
9:23
